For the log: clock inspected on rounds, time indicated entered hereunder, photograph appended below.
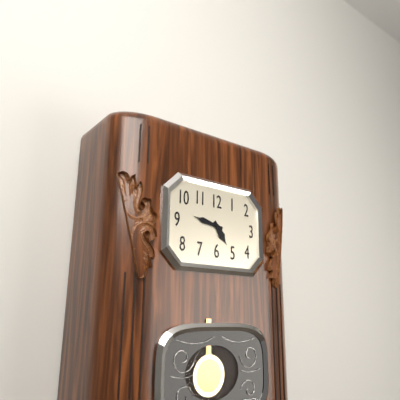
4:47
